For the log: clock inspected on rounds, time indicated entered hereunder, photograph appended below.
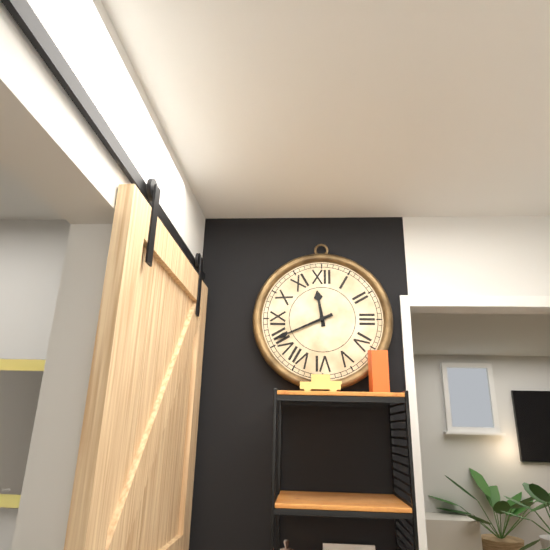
11:41
